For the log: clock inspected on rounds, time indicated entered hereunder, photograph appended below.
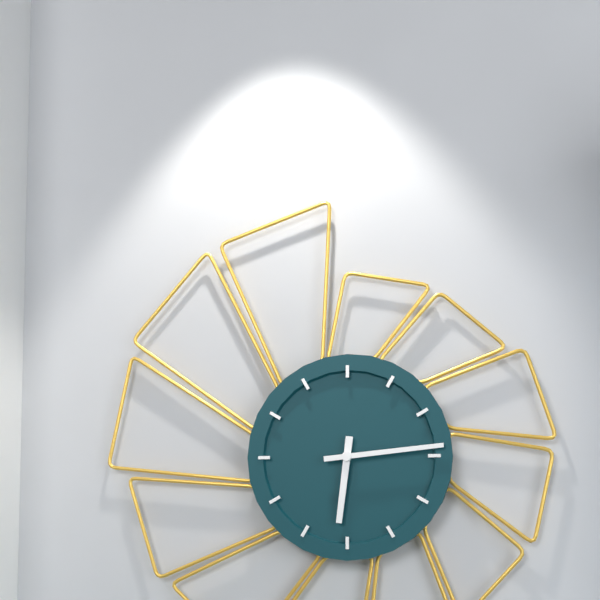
6:14
